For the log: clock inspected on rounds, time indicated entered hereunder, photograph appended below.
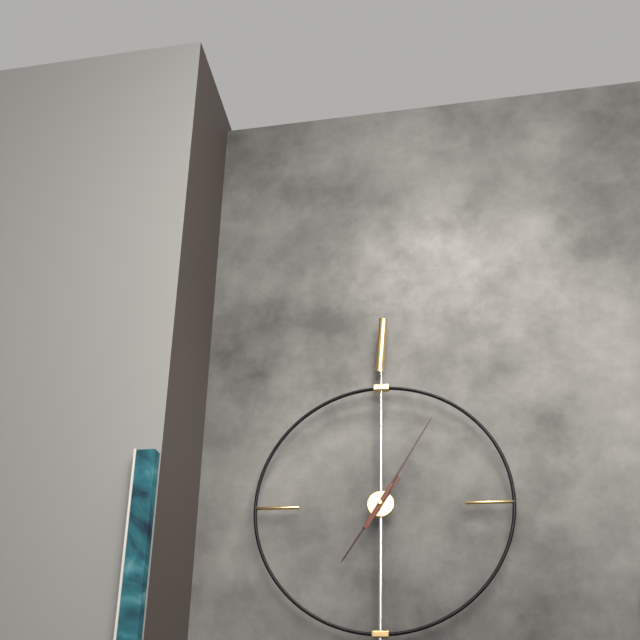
7:05
